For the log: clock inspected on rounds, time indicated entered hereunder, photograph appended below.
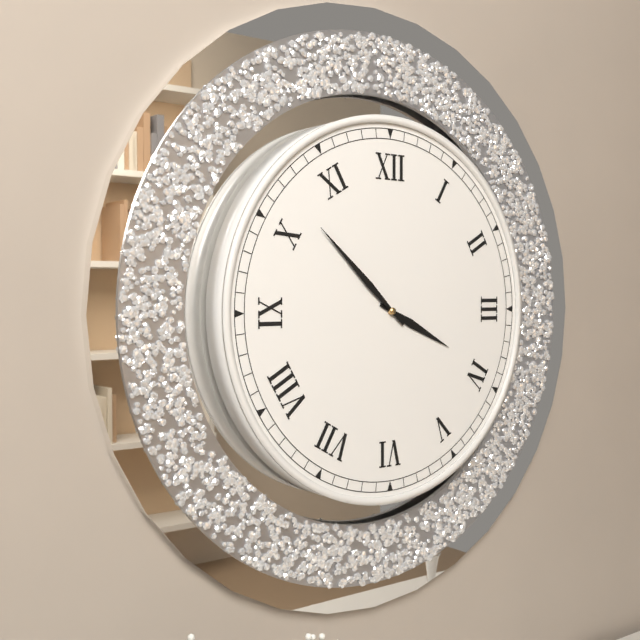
3:52
